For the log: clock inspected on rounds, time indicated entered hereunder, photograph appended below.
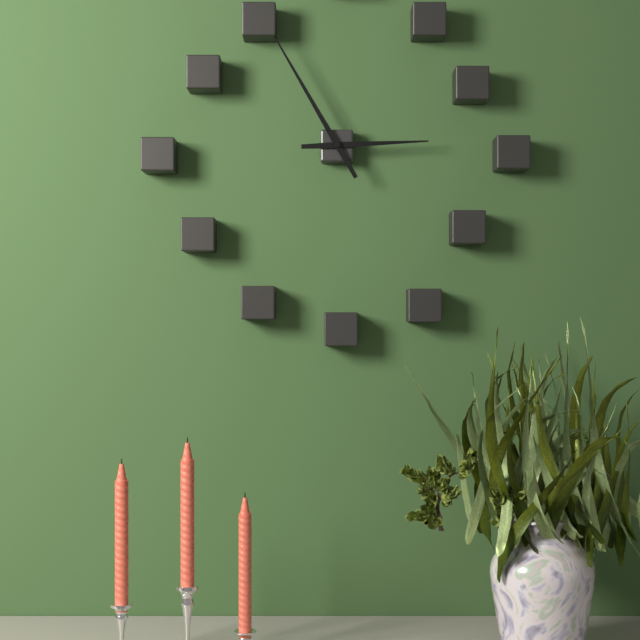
2:55
